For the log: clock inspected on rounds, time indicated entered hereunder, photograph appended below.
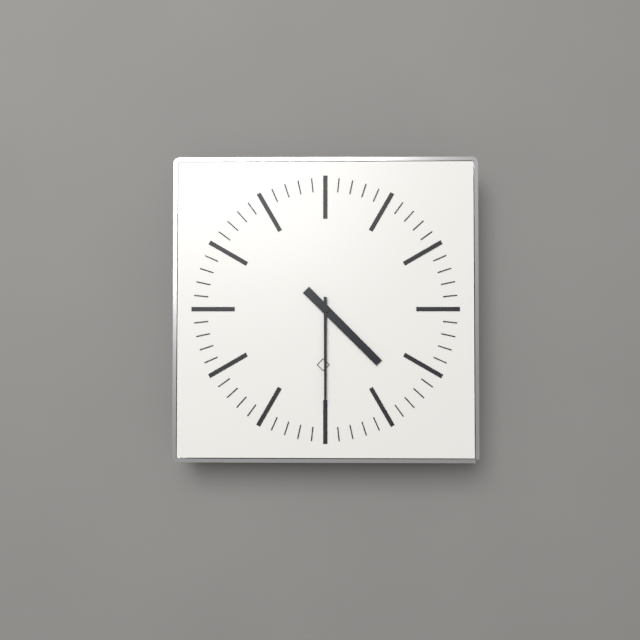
4:30
